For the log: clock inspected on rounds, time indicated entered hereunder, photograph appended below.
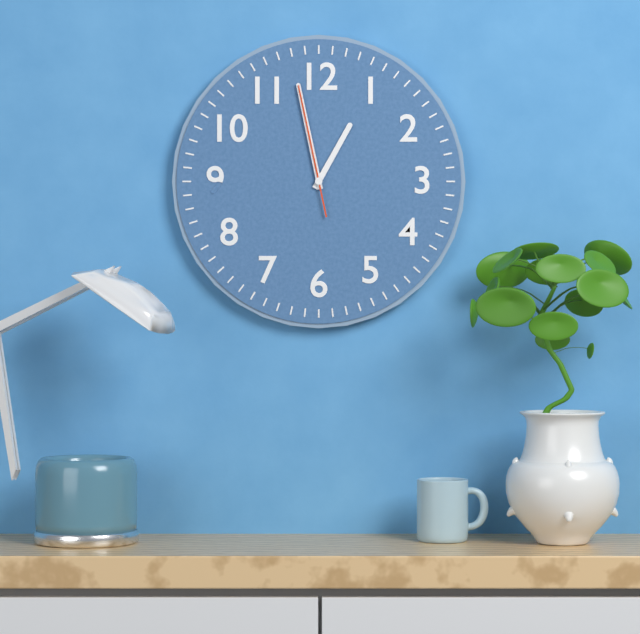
12:58:58
